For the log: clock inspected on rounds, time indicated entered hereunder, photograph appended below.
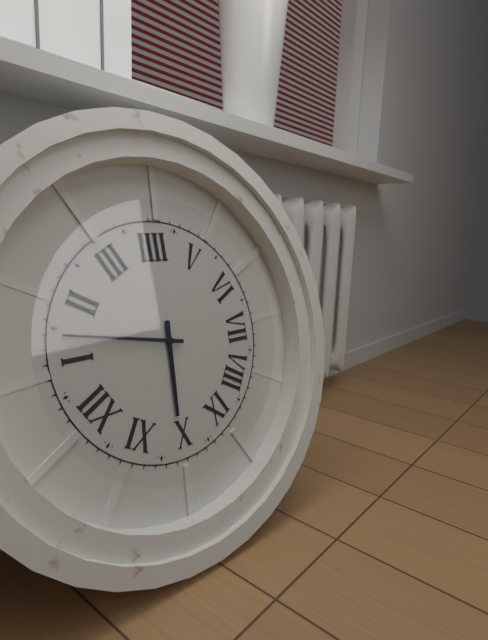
10:07
